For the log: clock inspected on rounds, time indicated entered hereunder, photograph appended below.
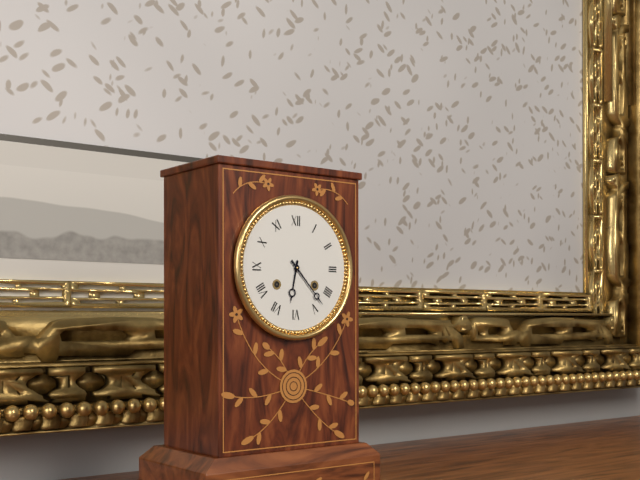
6:23
